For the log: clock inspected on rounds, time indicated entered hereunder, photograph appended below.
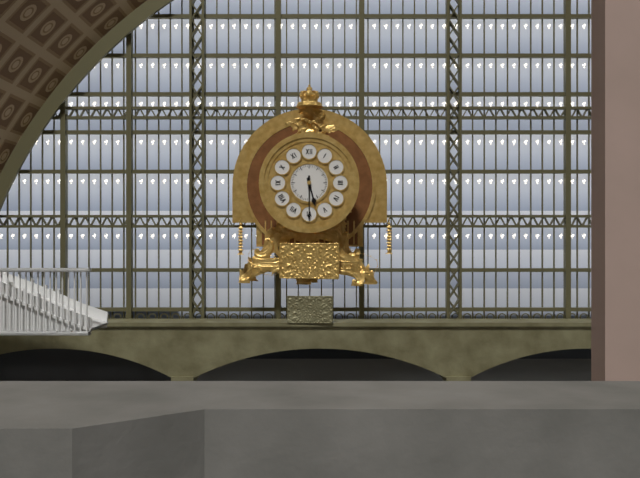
5:30
